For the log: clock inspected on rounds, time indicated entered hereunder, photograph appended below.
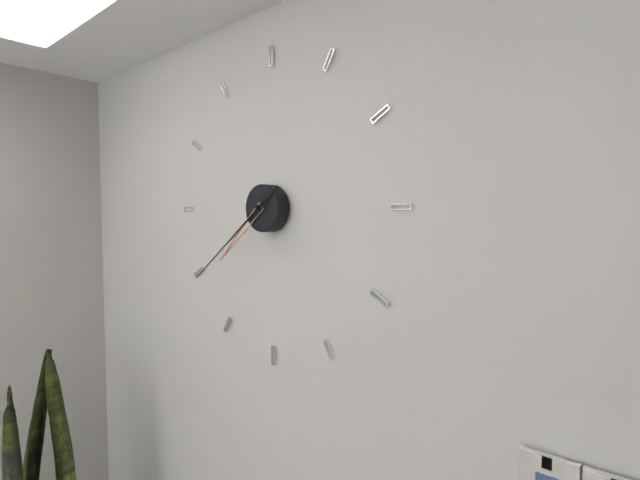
7:39
